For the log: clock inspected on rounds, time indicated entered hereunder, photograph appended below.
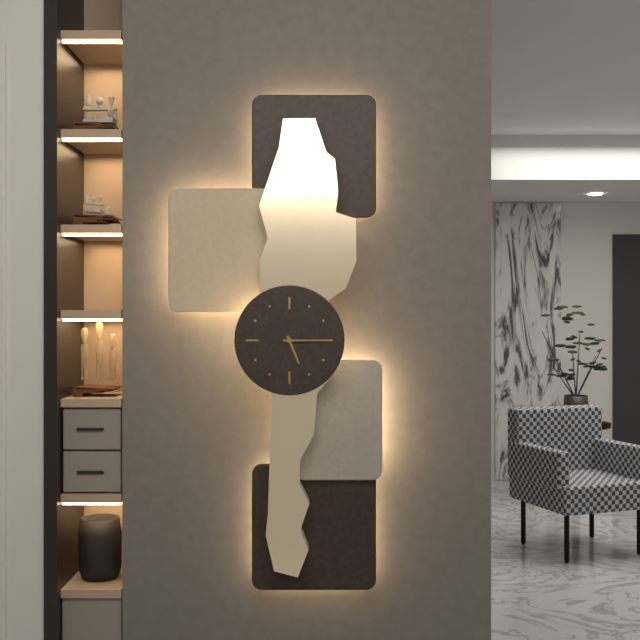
5:15
